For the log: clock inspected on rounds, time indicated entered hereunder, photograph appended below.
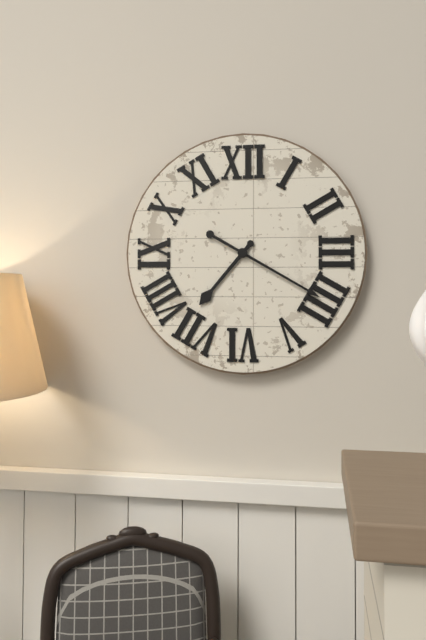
7:20
